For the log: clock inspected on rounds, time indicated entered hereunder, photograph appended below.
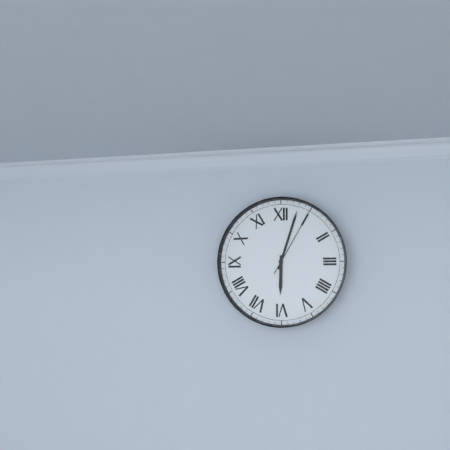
6:03:05
